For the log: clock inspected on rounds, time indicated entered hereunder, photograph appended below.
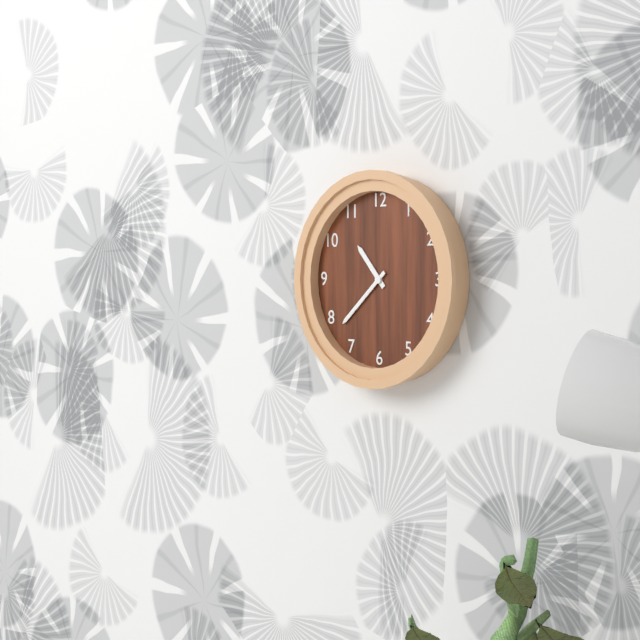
10:38
